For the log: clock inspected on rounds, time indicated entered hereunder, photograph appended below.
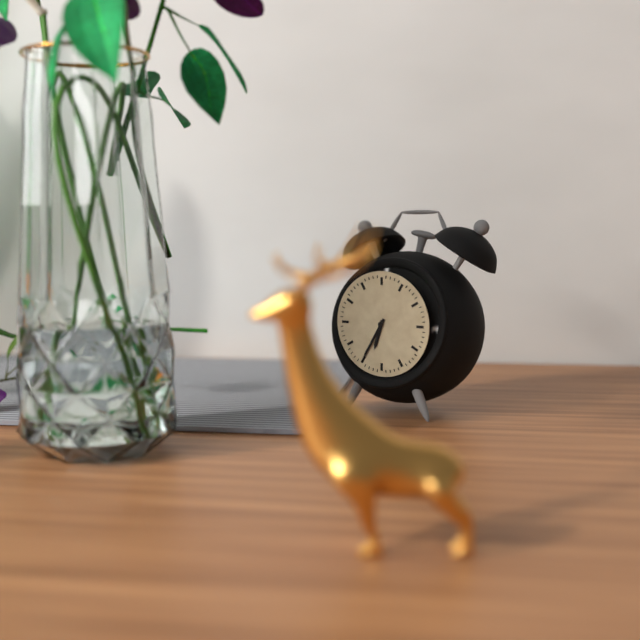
6:35
